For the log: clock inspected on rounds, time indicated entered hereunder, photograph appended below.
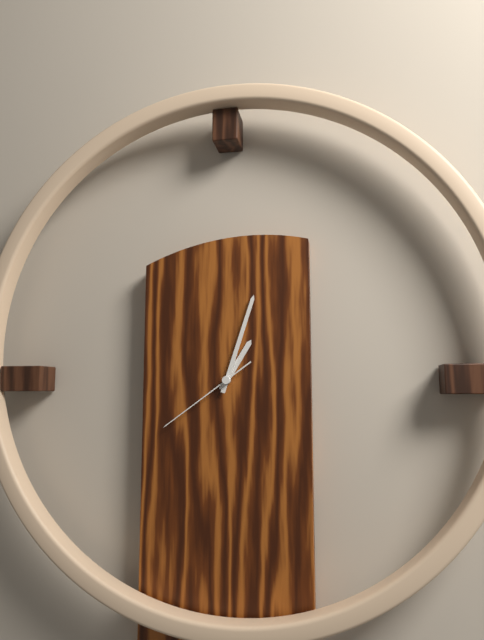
1:03:39
